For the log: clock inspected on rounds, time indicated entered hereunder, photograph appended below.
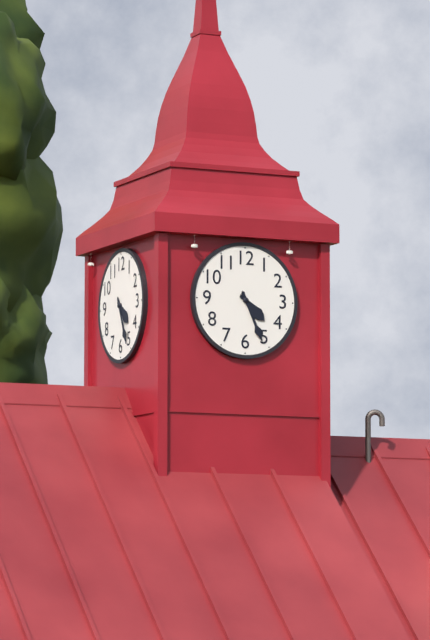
4:26
